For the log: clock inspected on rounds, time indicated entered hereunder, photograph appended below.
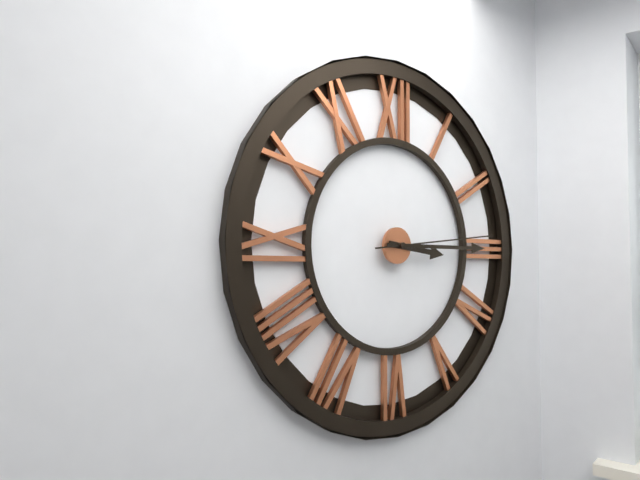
3:15:14
